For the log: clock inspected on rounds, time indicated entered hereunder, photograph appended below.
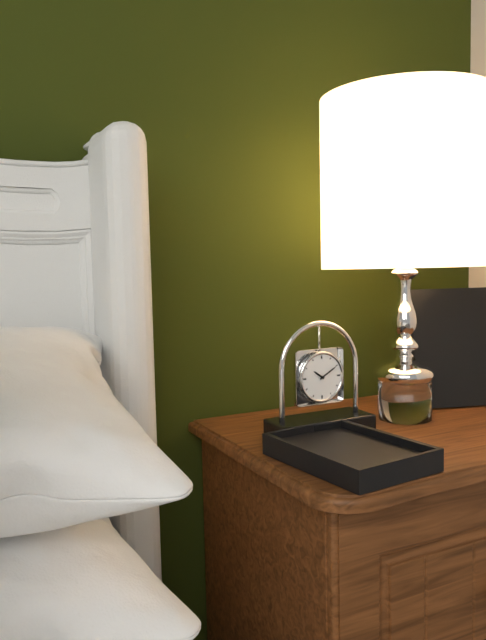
10:10
